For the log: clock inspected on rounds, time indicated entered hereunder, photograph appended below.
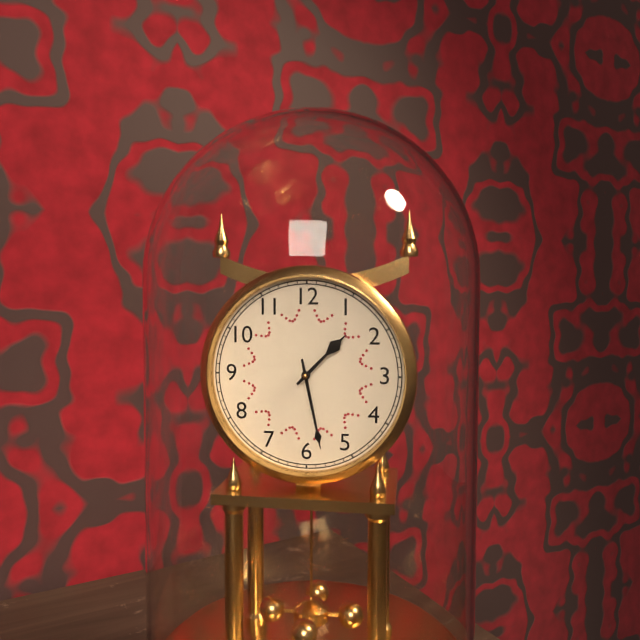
1:28
